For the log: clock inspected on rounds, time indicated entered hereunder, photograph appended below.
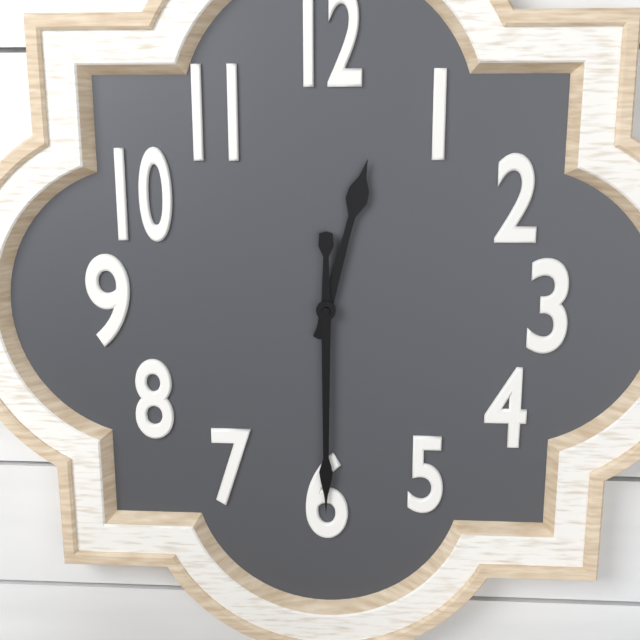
12:30
